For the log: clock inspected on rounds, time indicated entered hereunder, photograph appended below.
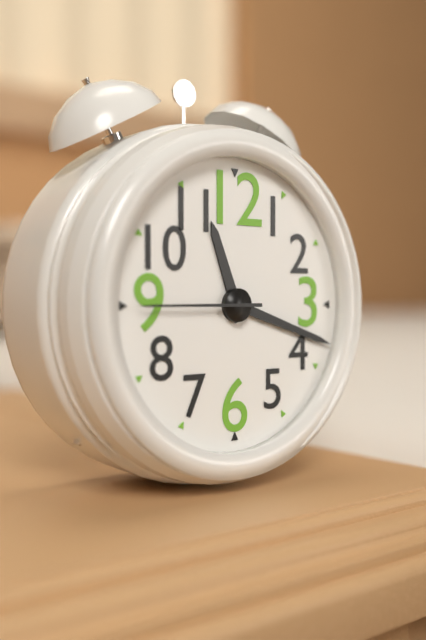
11:18:45
